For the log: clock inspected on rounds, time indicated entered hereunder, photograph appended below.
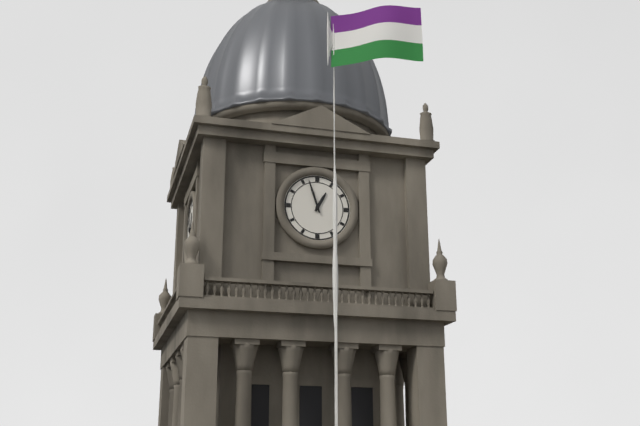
12:57
